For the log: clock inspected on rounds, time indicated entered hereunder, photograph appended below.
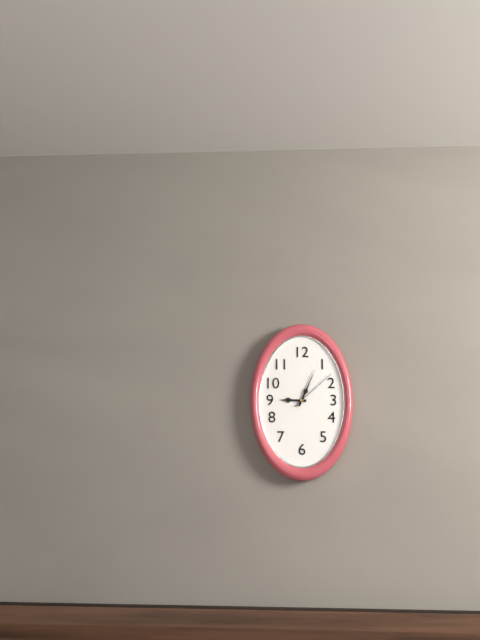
9:04
